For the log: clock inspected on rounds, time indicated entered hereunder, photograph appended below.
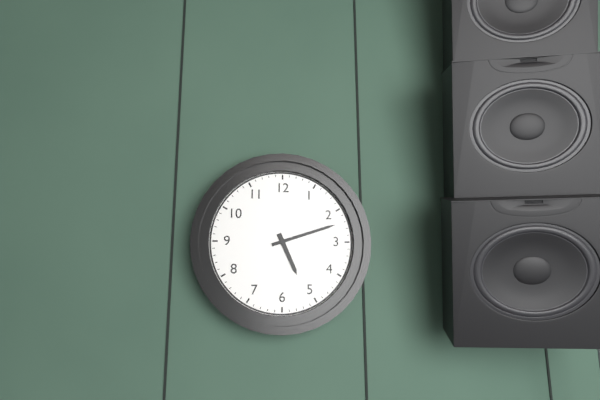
5:12
